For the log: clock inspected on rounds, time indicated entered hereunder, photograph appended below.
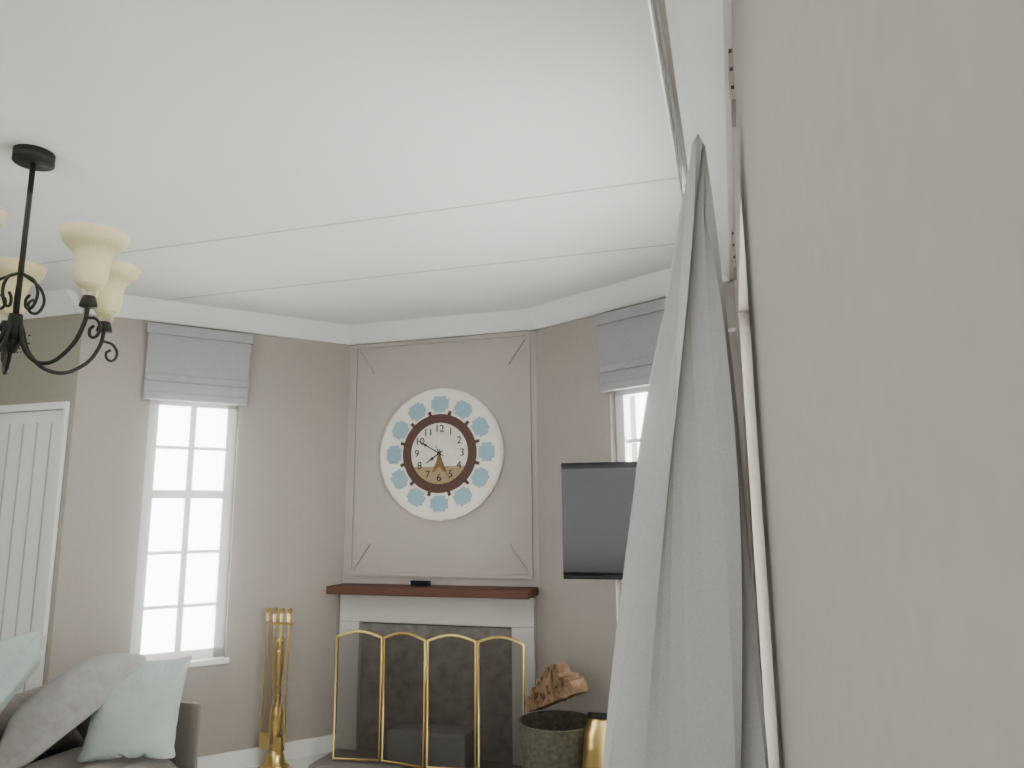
7:50
